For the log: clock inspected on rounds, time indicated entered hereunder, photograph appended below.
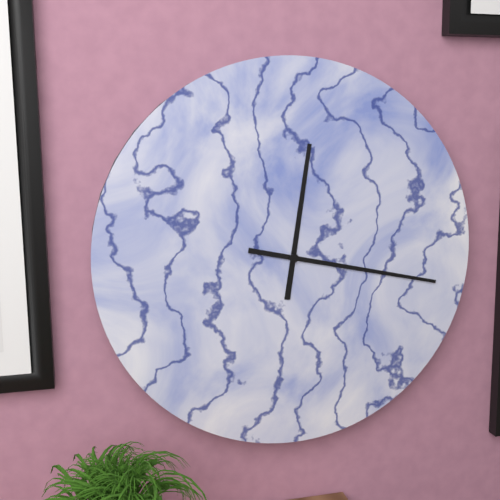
12:17
